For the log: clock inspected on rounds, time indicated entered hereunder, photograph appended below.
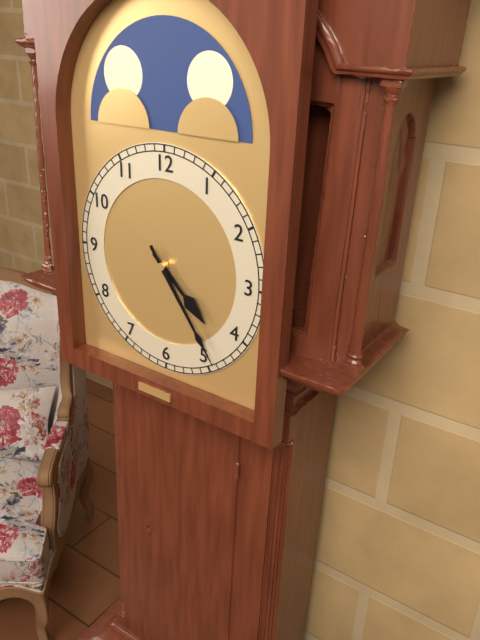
4:24
